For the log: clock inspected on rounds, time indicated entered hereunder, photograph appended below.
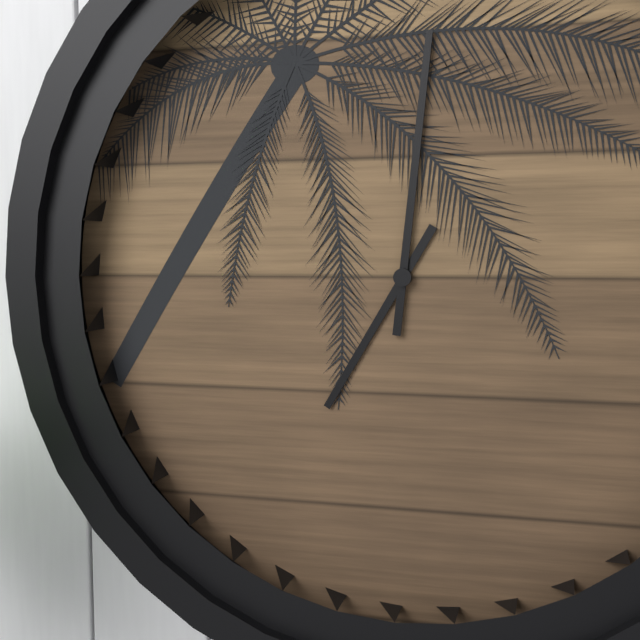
7:01
